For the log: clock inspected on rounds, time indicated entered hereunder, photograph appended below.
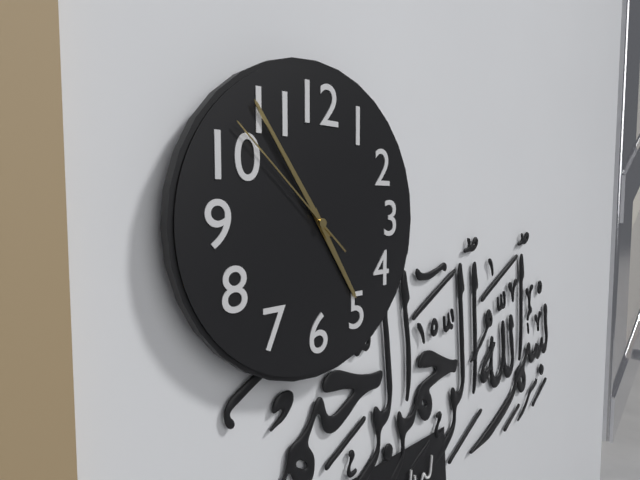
4:54:52
